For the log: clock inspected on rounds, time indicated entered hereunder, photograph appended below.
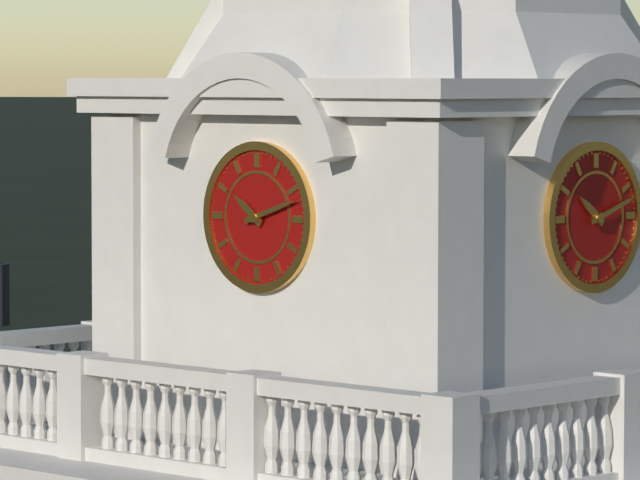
10:12
